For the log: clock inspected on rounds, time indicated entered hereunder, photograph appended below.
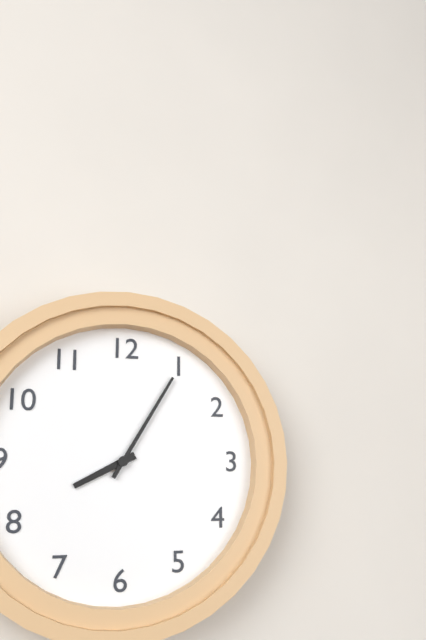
8:05
